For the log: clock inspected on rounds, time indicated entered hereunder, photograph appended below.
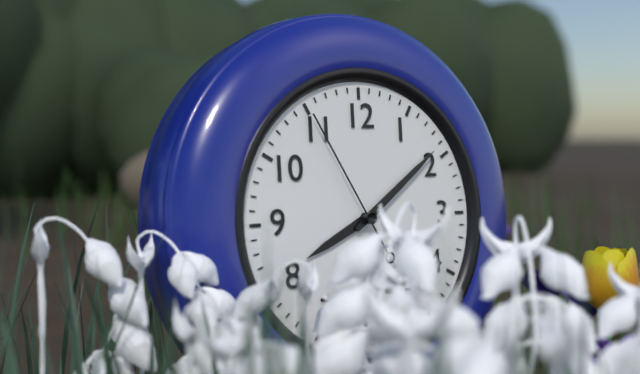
8:09:55
